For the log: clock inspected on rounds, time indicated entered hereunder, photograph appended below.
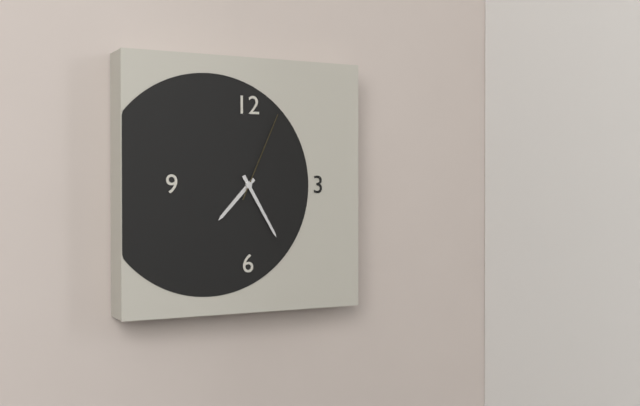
7:25:04
